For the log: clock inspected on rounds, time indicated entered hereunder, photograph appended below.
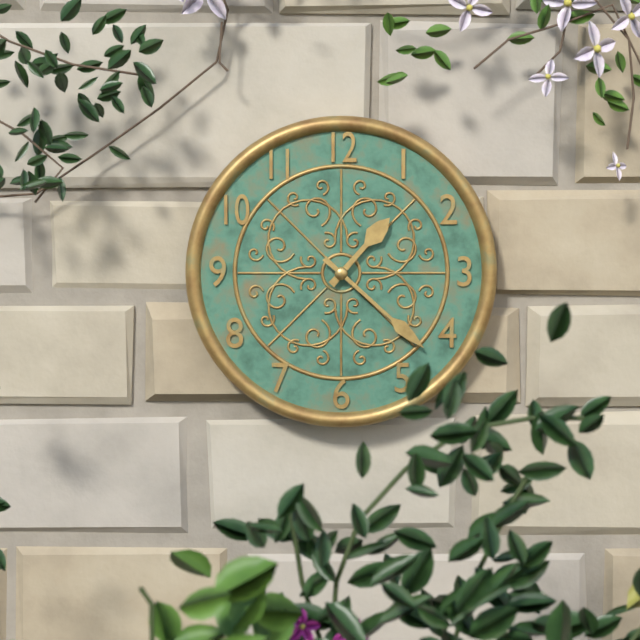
1:22
